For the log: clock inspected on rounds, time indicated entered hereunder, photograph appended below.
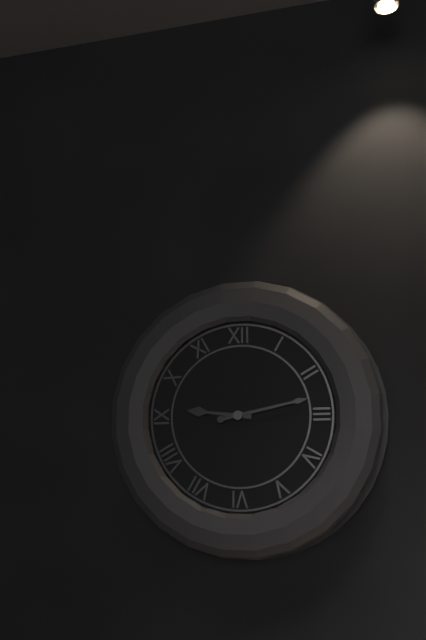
9:13
